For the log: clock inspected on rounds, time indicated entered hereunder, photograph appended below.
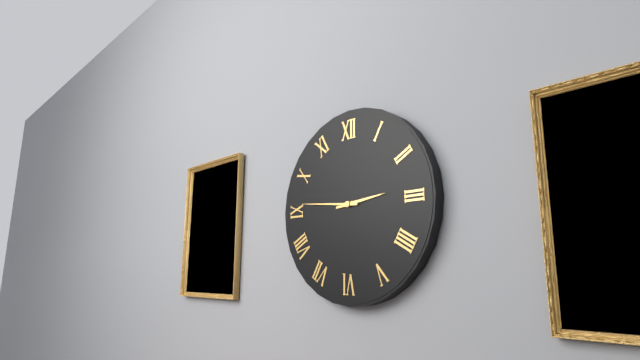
2:46
